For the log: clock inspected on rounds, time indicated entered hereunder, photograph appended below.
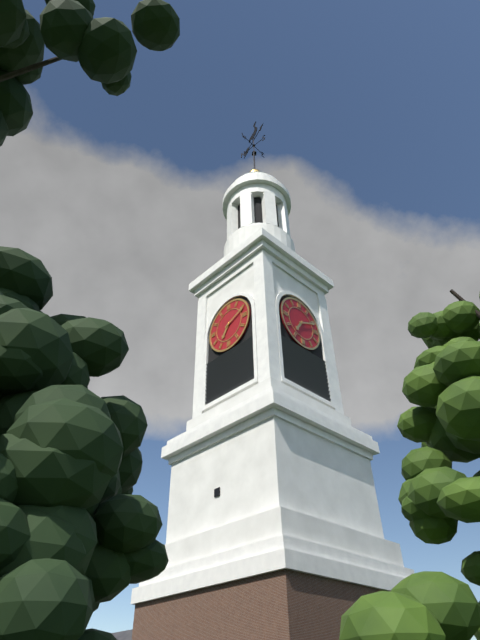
7:11
